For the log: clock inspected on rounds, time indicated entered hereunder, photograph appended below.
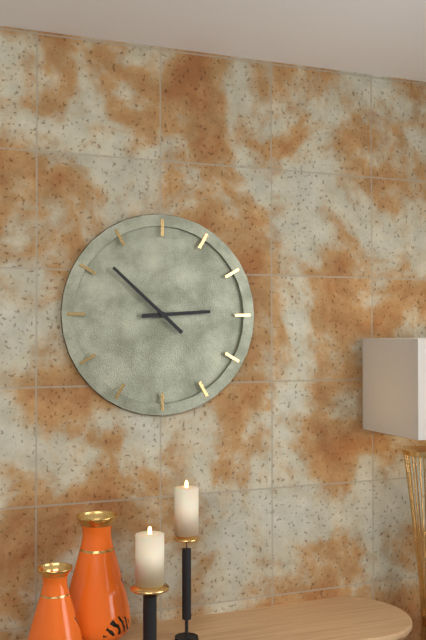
2:52
